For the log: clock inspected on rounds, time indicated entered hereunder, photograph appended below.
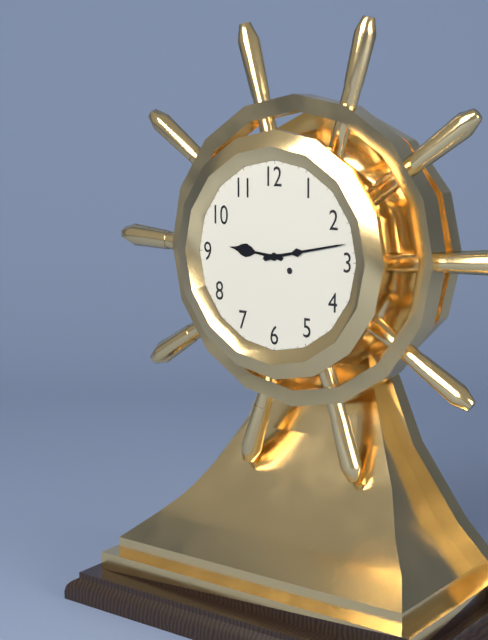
9:13
